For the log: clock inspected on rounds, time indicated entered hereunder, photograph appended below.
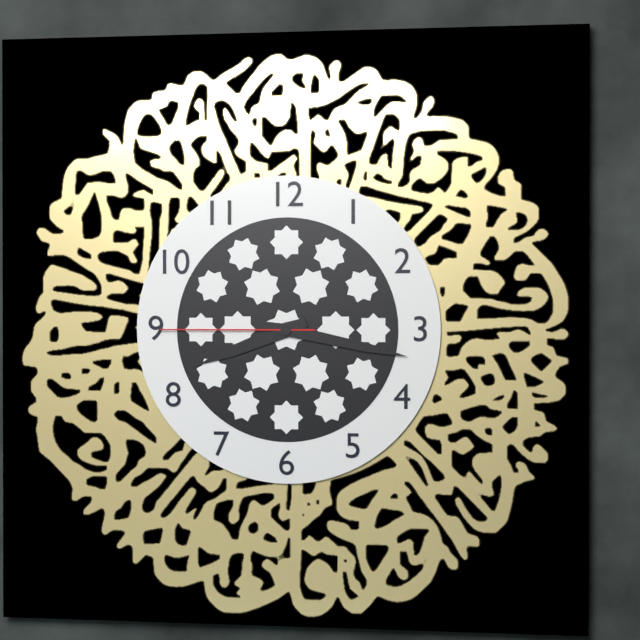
8:17:45
